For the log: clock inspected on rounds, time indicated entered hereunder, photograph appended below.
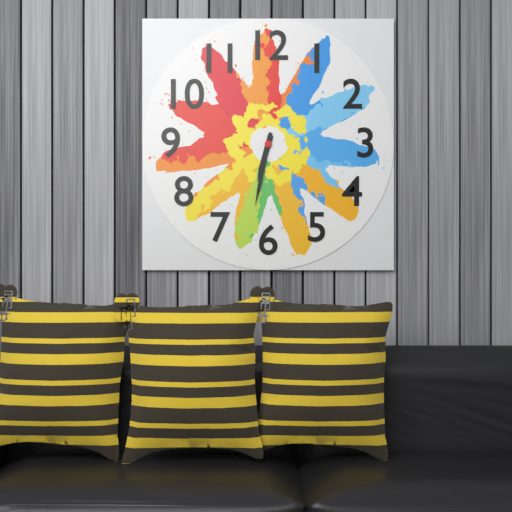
6:32
